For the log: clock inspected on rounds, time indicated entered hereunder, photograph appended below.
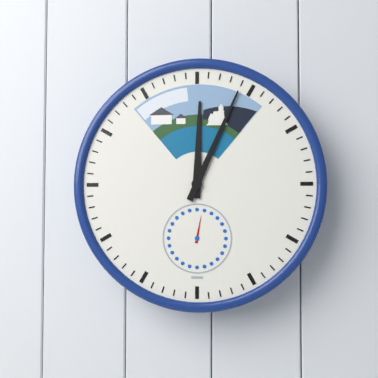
12:04
